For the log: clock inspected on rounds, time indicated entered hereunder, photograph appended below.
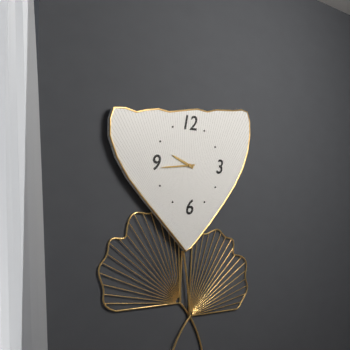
9:44
